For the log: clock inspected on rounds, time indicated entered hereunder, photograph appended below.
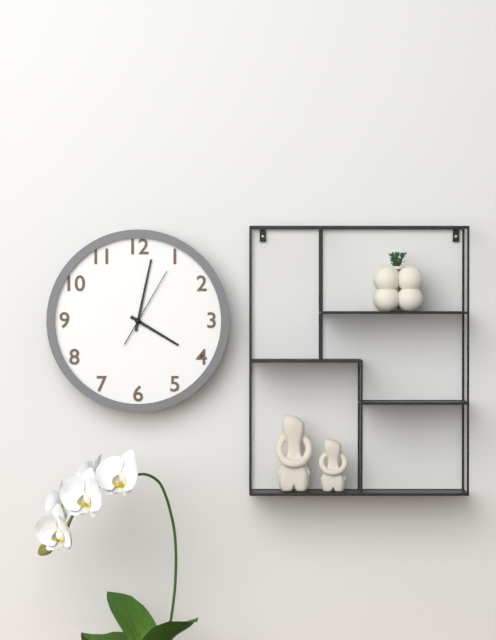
4:02:05
